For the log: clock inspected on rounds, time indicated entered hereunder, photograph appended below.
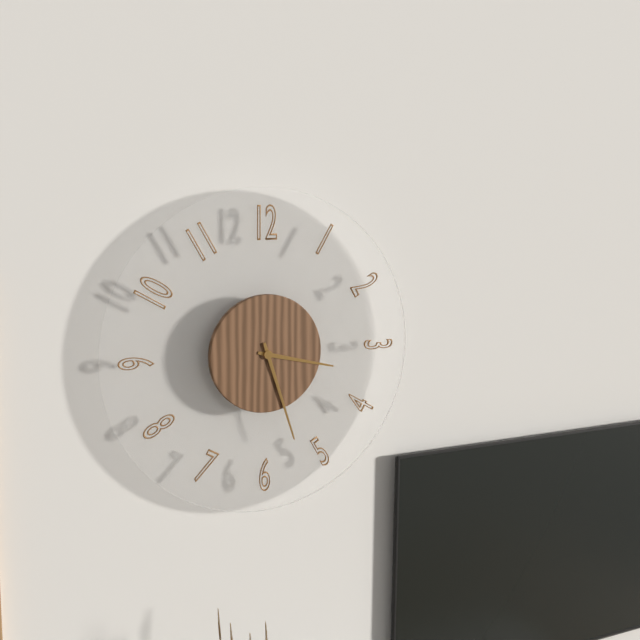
3:27
